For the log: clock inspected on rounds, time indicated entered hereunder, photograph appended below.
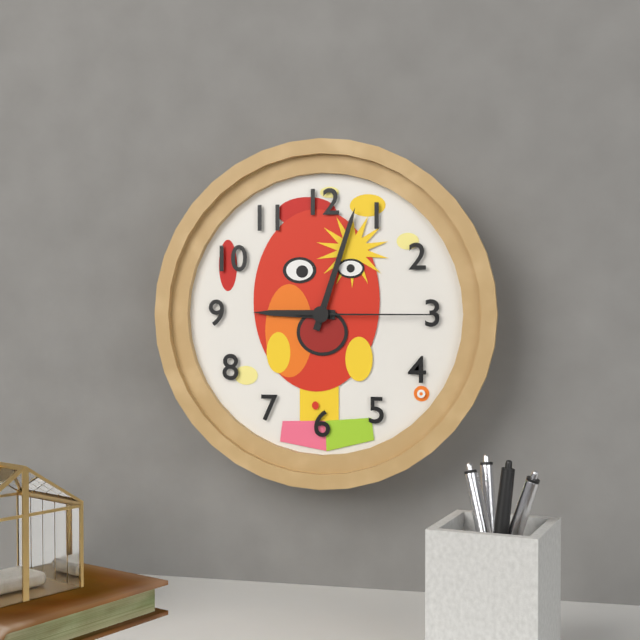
9:03:15
